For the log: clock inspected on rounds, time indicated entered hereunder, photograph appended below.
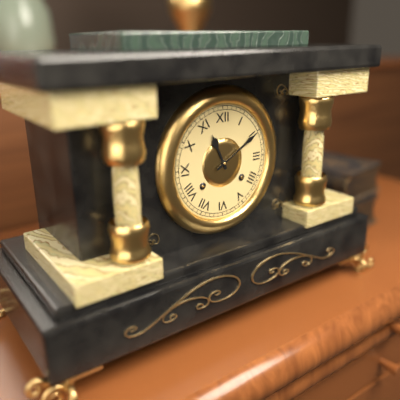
11:10
